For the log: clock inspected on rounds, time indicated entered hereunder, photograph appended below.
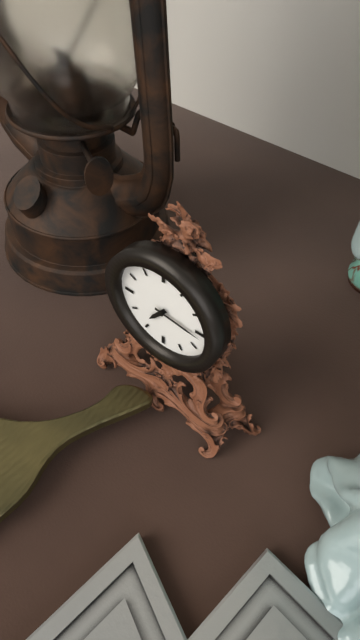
7:16
